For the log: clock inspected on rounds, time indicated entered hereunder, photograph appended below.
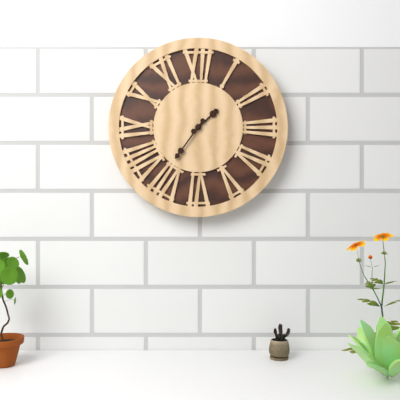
1:36
